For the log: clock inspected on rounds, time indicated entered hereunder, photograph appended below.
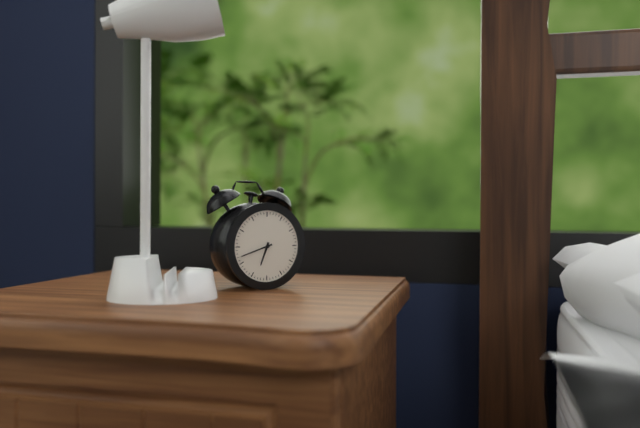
6:42
